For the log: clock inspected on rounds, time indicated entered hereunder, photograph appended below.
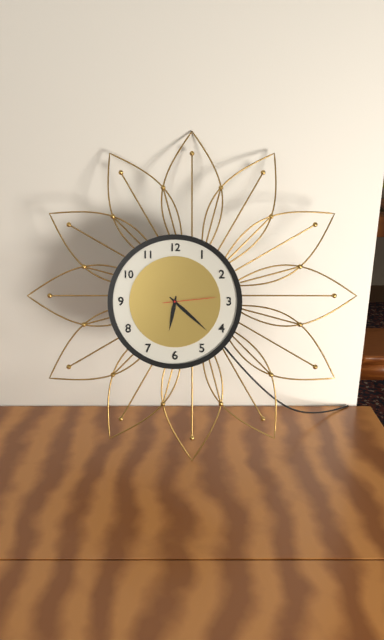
6:22:14
